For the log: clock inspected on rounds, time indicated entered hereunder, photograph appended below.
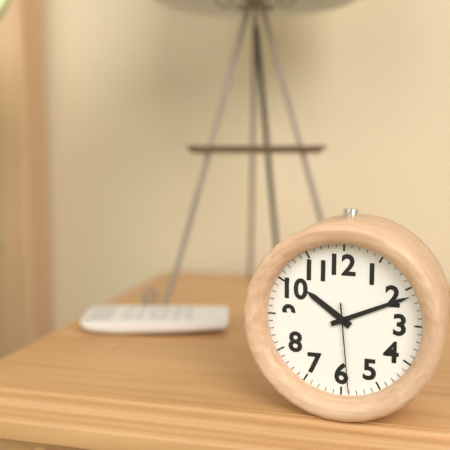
10:11:29
